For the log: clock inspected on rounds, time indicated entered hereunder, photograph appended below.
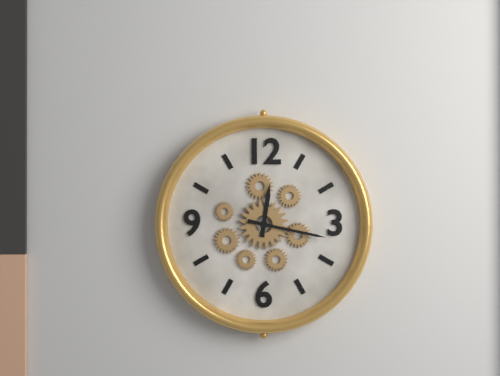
12:17
